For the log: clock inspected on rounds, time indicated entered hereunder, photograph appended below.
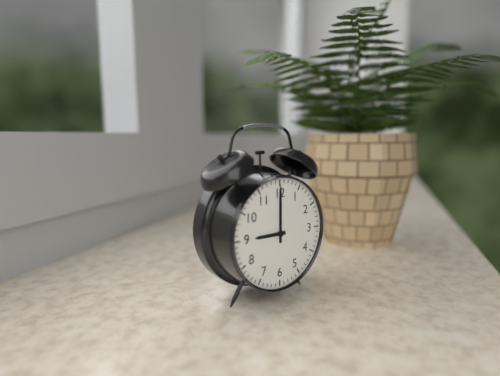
9:00
